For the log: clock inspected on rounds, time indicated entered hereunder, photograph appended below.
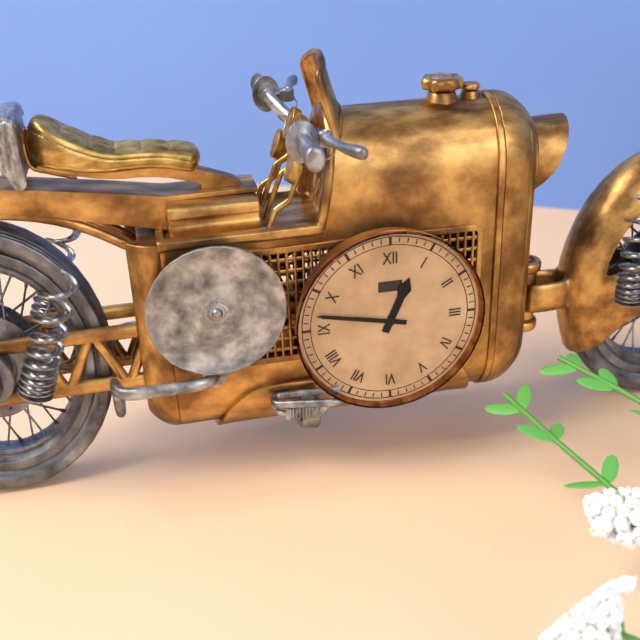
12:47
